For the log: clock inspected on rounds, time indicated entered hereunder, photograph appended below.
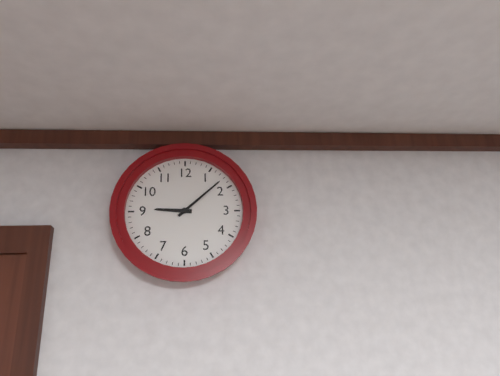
9:08
